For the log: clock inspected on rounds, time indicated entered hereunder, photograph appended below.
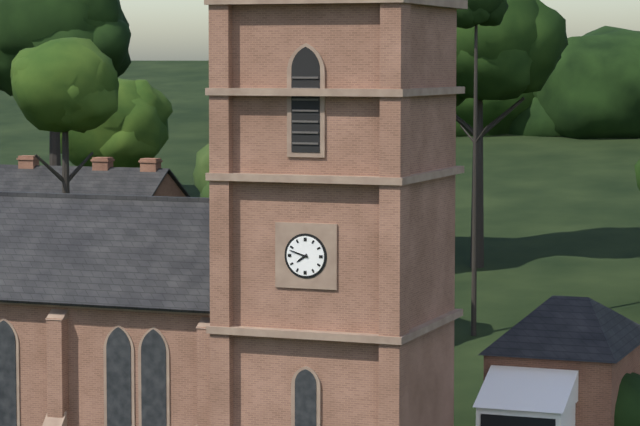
7:48
